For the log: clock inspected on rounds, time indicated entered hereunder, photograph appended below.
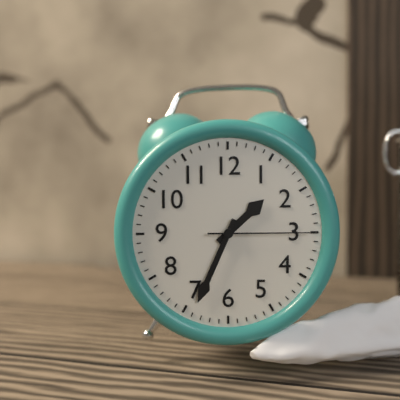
1:34:15
